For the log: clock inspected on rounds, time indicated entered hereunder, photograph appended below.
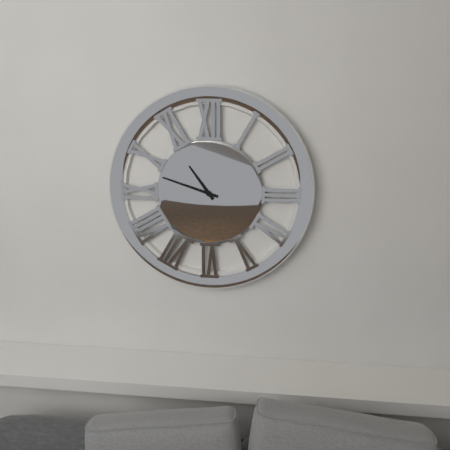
10:48
